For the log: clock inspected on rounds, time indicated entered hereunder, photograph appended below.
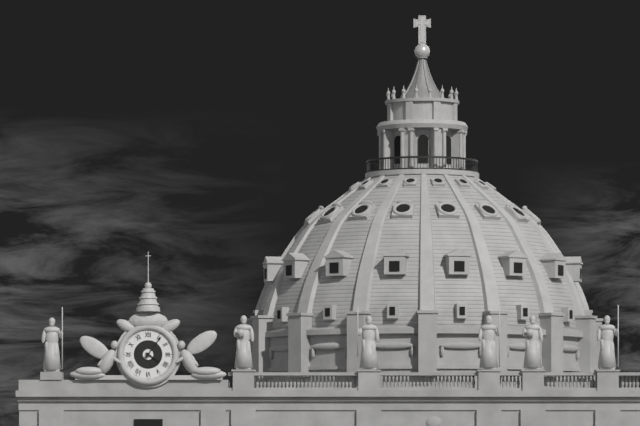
4:06
